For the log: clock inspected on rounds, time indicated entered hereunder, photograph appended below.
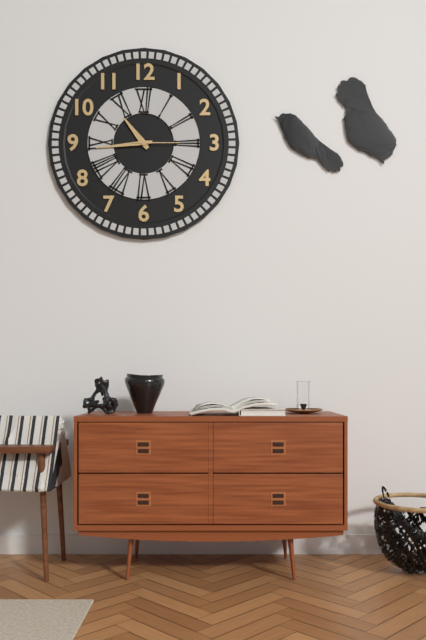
10:44
